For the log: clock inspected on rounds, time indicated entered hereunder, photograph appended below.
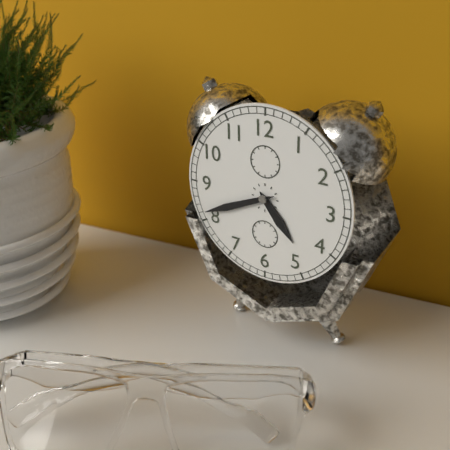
4:41
